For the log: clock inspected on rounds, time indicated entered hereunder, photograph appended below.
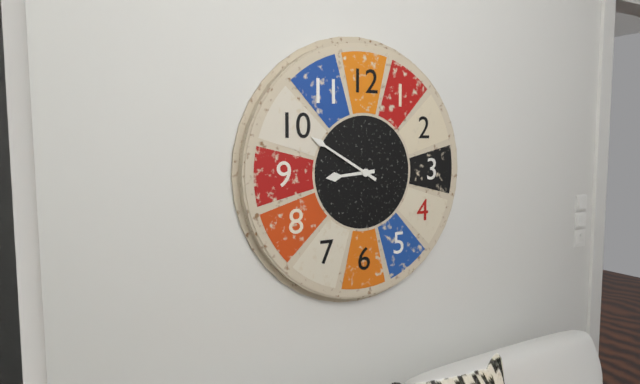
8:50
